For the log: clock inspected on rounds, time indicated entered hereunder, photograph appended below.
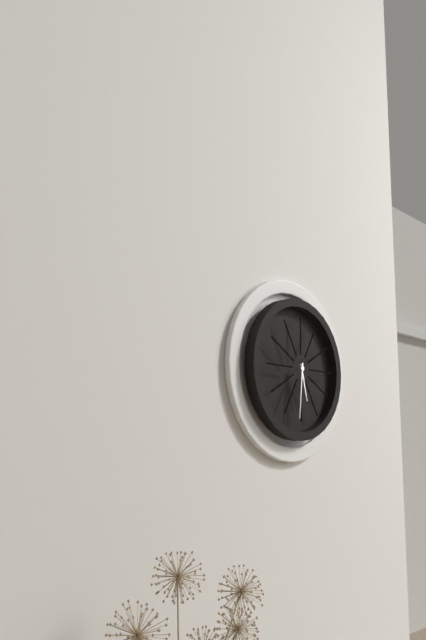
5:31
